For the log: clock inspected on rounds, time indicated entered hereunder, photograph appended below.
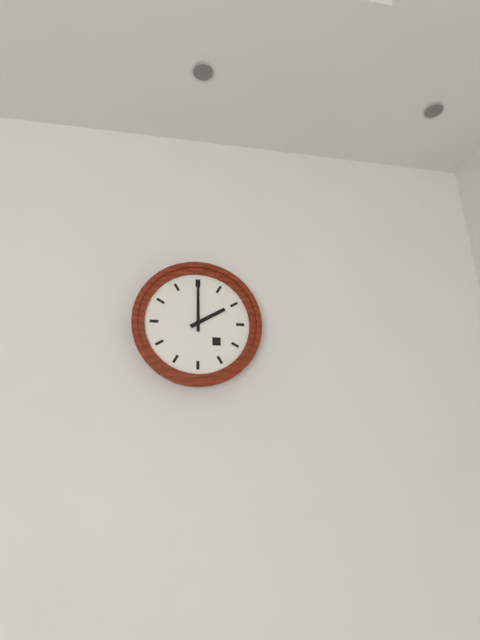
2:00
